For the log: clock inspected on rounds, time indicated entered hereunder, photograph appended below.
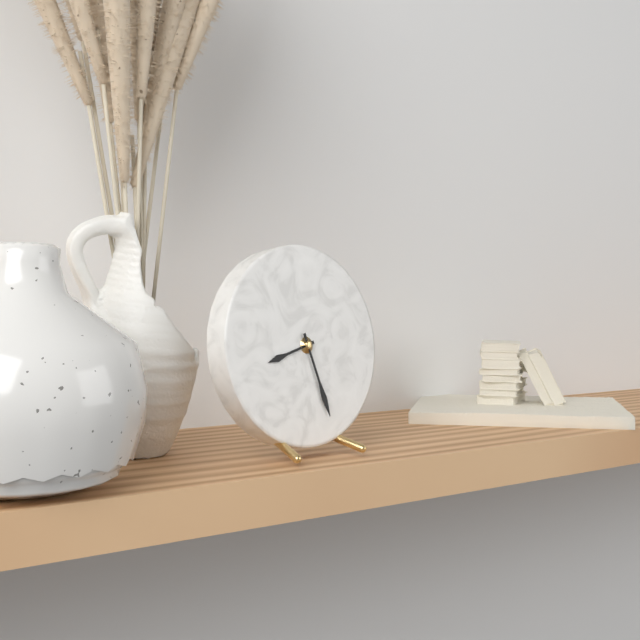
8:27
